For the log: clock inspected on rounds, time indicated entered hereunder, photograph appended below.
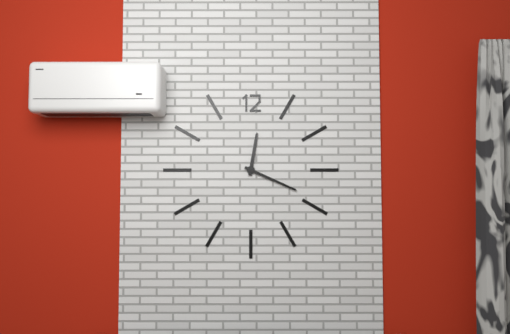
12:19
